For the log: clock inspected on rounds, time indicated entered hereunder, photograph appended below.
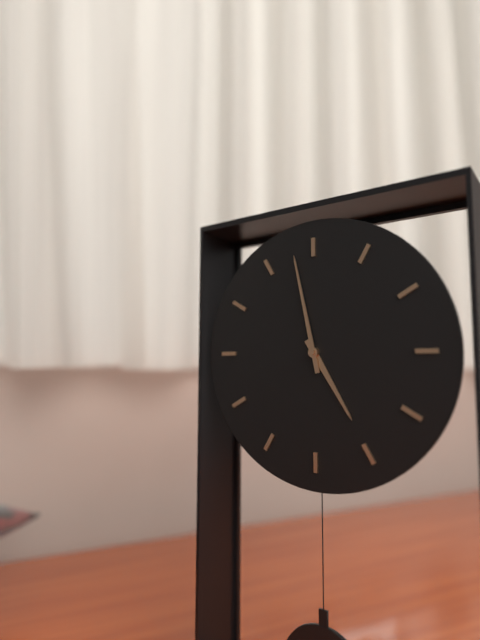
4:58
